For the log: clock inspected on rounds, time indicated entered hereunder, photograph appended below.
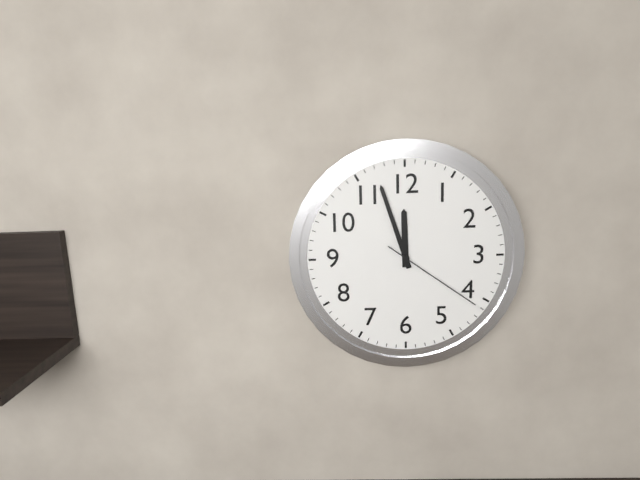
11:57:21
